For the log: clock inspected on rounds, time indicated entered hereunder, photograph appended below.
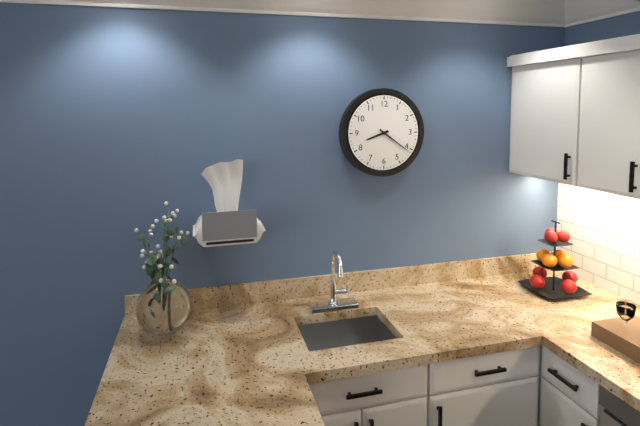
8:21
